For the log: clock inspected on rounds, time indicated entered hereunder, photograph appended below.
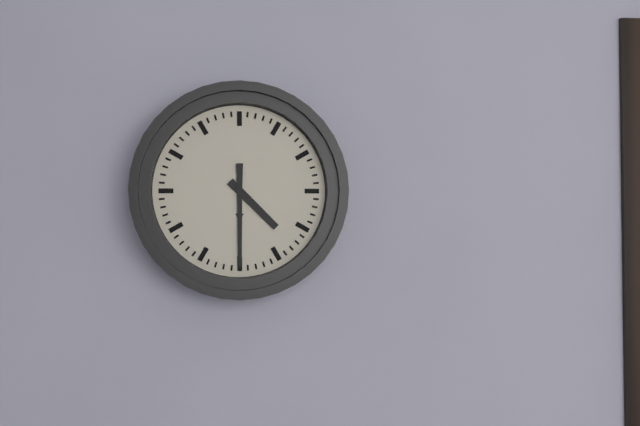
4:30
